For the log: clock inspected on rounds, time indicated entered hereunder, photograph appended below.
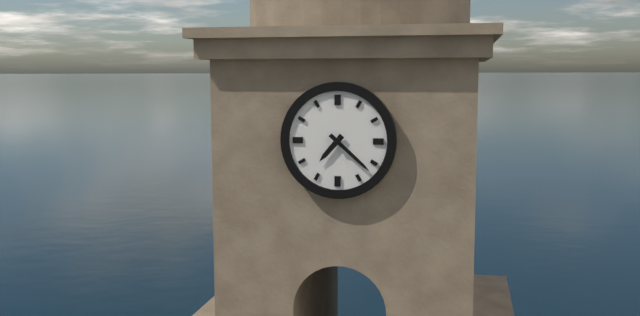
7:22
